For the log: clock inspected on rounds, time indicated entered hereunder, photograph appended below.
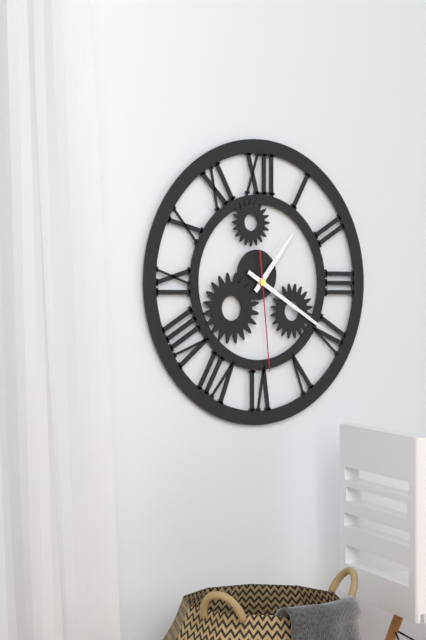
1:20:29
